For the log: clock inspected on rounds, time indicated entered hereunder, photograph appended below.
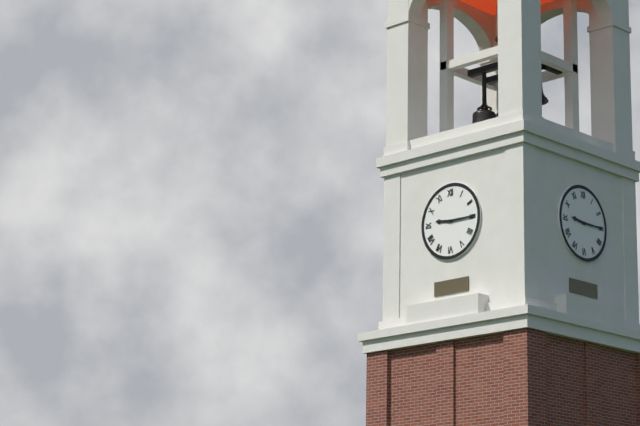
9:15
